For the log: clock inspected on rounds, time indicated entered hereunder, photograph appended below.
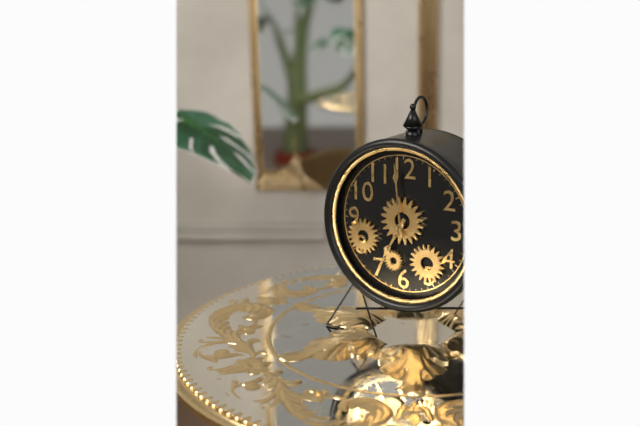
6:59
